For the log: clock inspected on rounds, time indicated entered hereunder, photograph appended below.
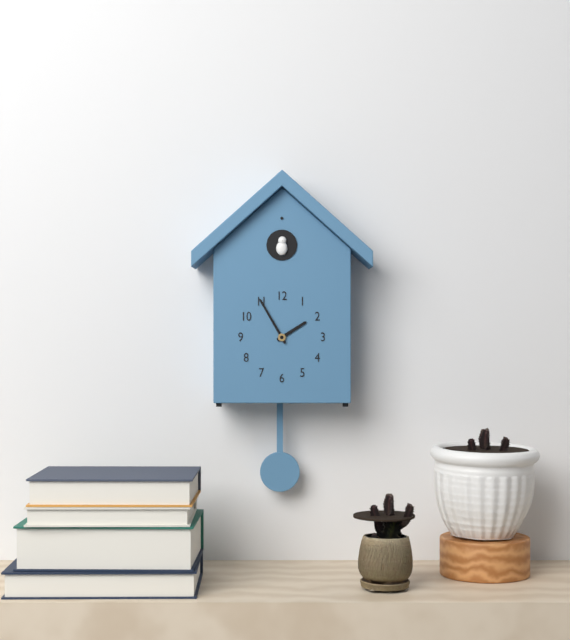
1:55
